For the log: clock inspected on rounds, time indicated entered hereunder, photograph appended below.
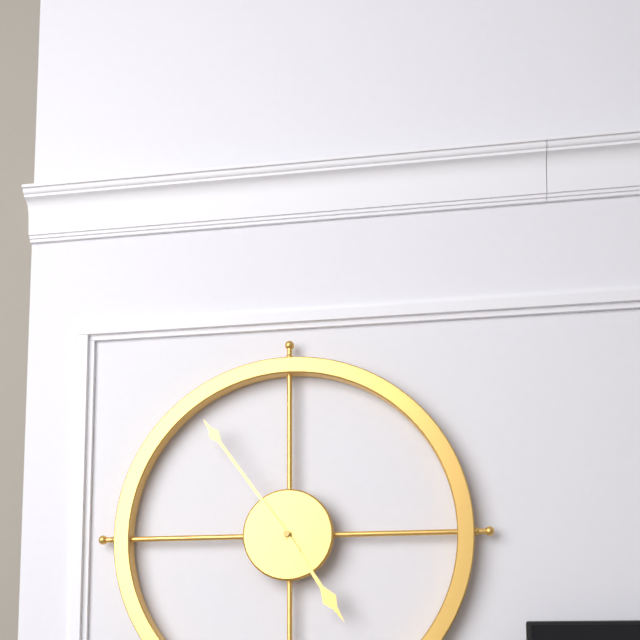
4:54
